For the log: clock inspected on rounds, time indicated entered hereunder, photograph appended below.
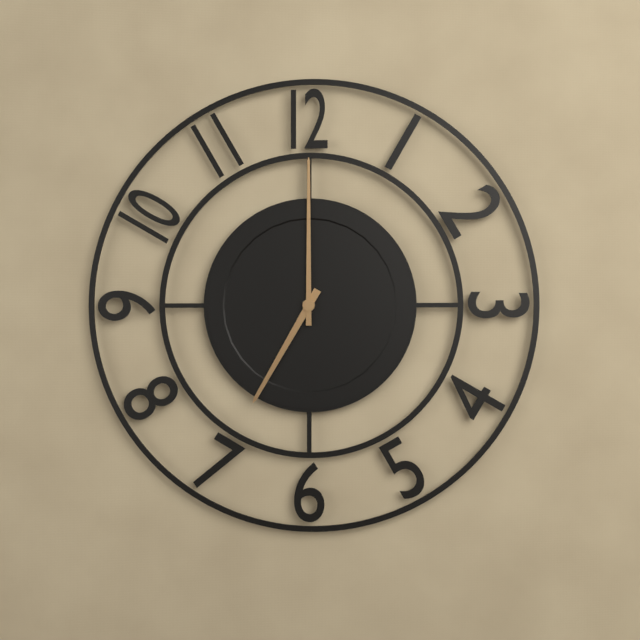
7:00
